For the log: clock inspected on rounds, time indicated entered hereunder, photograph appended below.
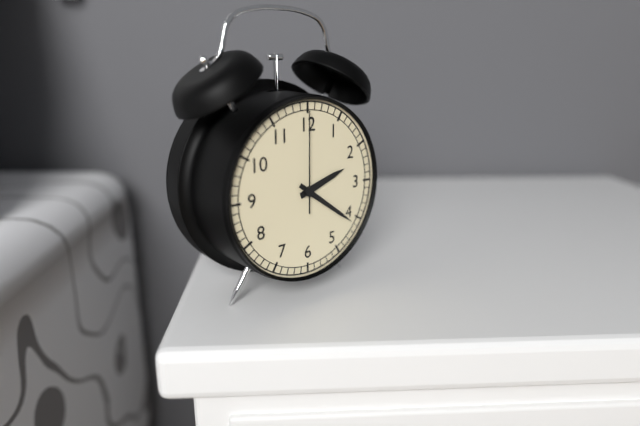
2:21:00
